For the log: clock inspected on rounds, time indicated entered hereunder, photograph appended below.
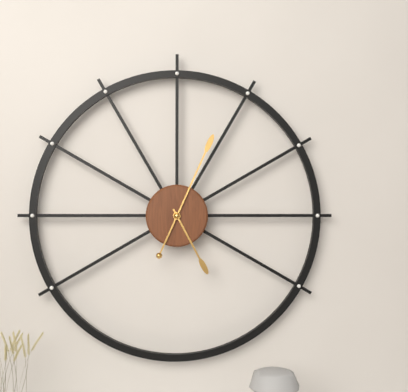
5:04
